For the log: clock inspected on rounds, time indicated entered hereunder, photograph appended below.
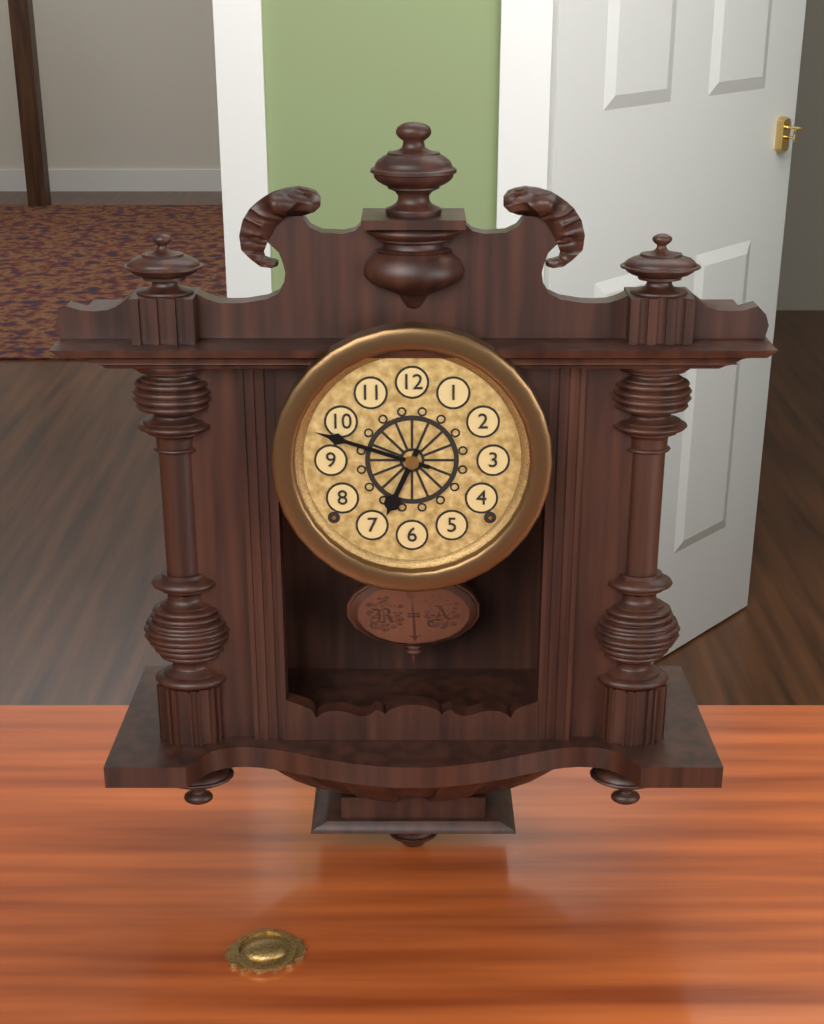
6:48
